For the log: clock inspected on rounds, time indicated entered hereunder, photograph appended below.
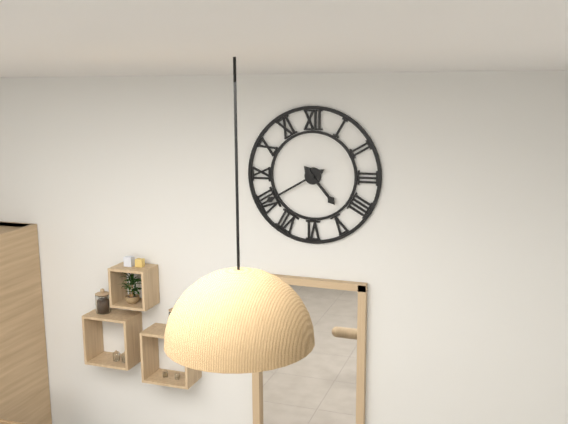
4:40
